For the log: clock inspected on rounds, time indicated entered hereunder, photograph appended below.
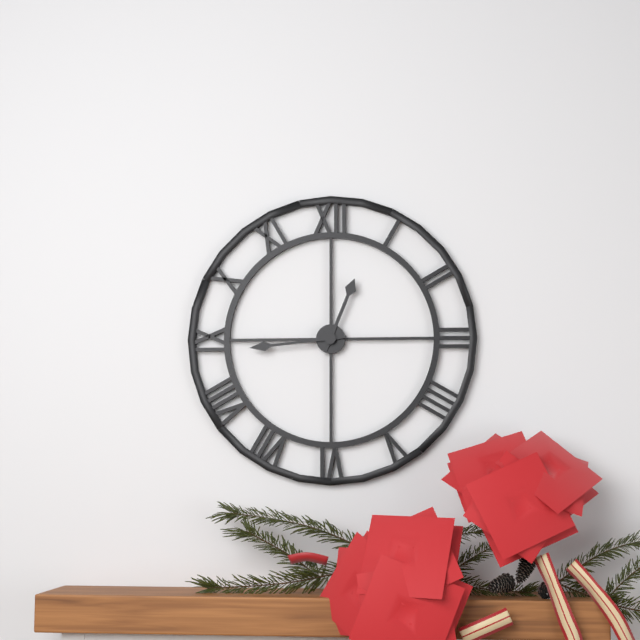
12:44
